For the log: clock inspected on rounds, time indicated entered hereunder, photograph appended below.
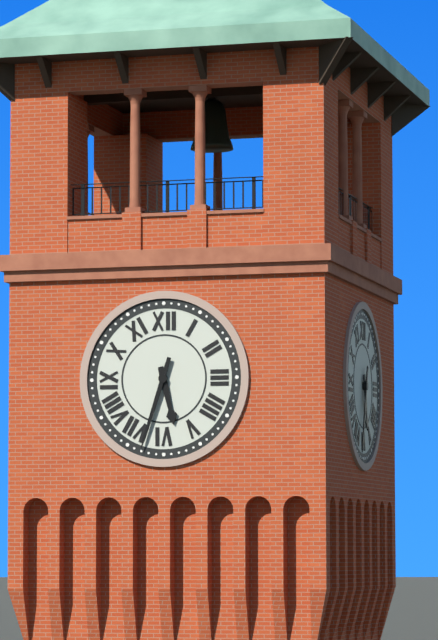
5:33
